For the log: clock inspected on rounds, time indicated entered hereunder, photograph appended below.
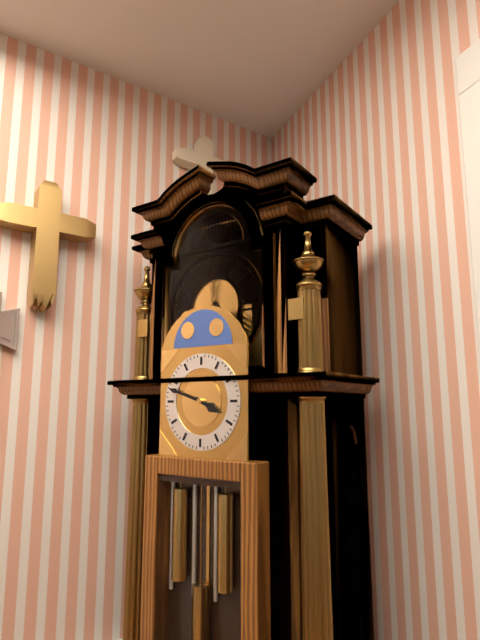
3:48
